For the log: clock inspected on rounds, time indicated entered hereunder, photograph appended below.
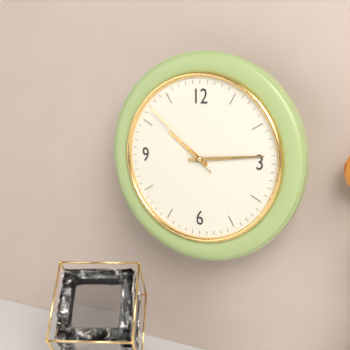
10:14:52
